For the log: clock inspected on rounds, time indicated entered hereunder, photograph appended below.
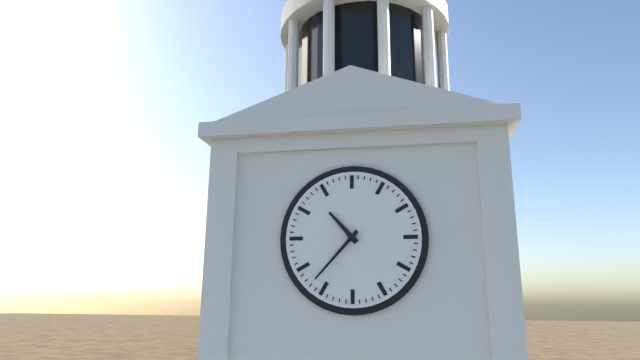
10:37
